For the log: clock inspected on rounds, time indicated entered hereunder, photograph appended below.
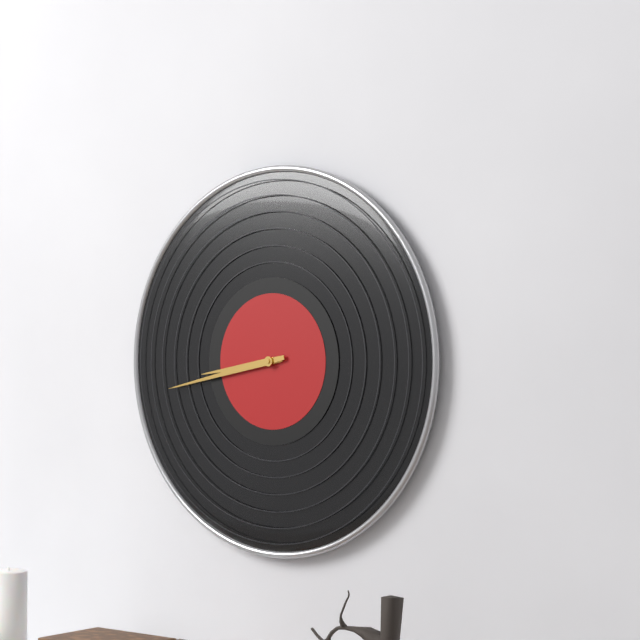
8:43
